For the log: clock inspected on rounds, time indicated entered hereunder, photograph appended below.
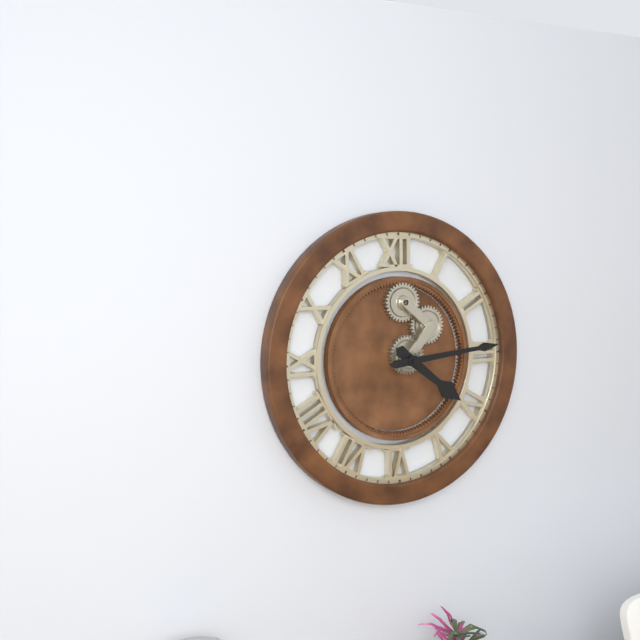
4:14
